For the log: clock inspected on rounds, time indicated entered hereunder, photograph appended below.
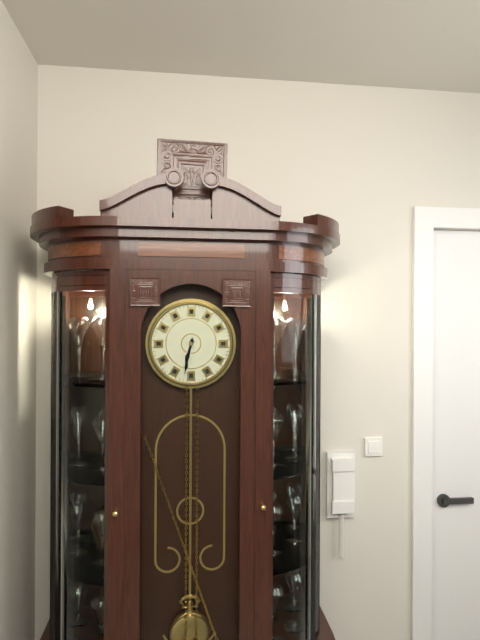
6:32
